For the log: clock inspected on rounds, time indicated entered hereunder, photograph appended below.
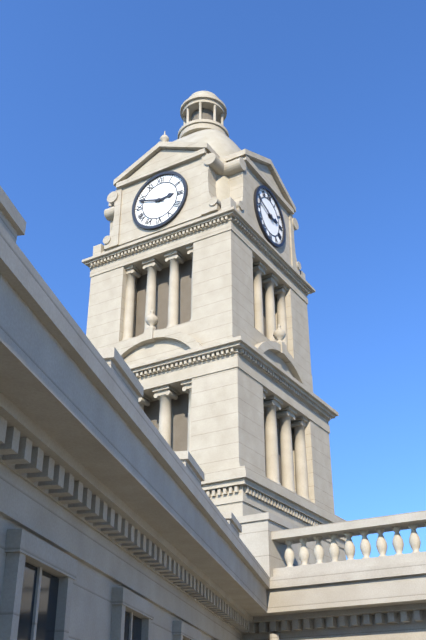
2:48
